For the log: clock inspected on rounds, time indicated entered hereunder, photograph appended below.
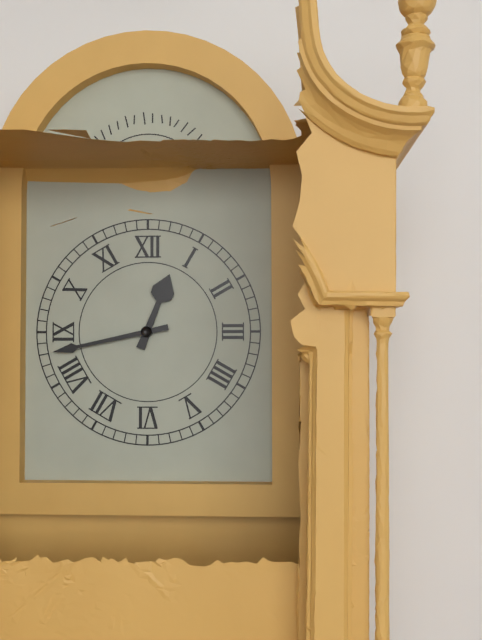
12:43
